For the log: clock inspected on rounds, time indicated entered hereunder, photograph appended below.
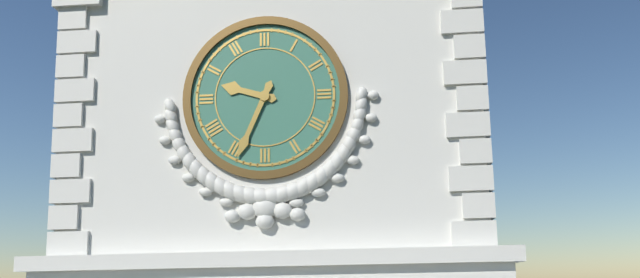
9:34
